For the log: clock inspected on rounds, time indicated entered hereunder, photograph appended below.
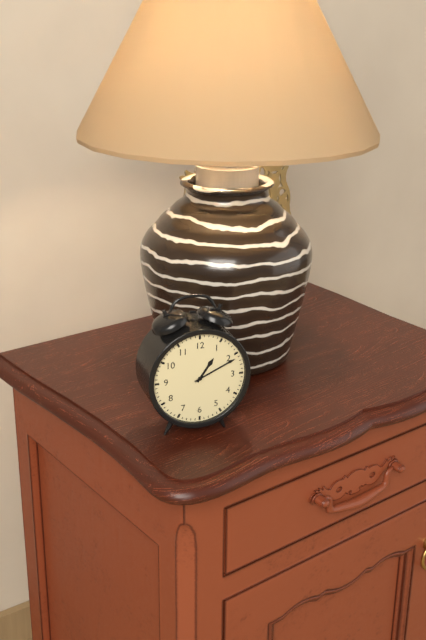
1:11
